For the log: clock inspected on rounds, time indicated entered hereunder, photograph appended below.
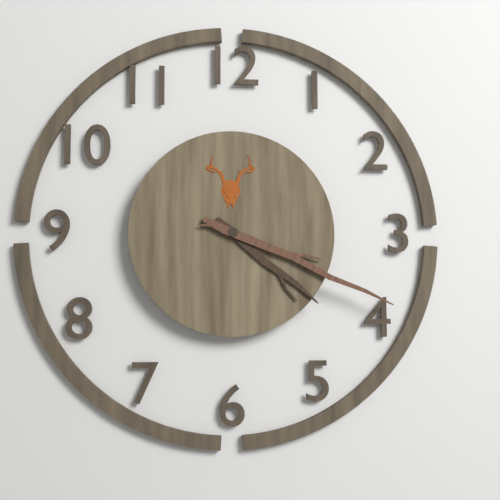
4:19
